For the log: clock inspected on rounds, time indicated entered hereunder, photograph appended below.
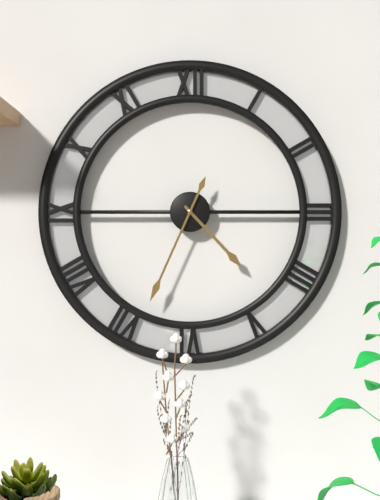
4:34
